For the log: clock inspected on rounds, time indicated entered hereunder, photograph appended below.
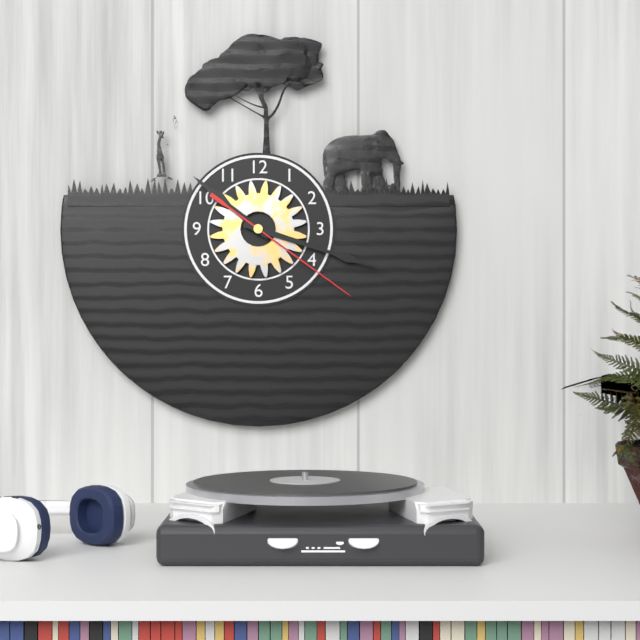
10:18:21
